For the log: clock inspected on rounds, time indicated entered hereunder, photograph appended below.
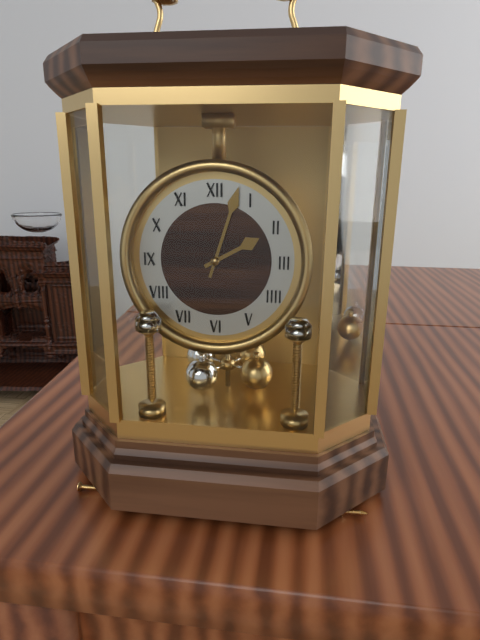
2:03
